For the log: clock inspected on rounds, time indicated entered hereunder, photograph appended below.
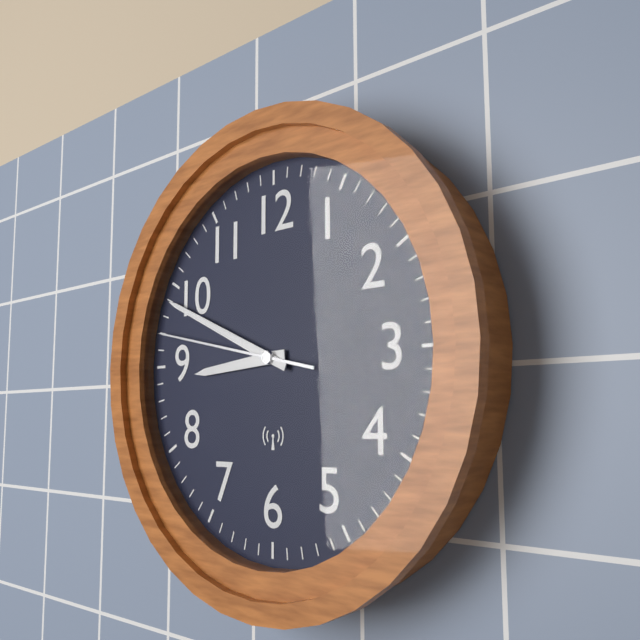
8:49:47
